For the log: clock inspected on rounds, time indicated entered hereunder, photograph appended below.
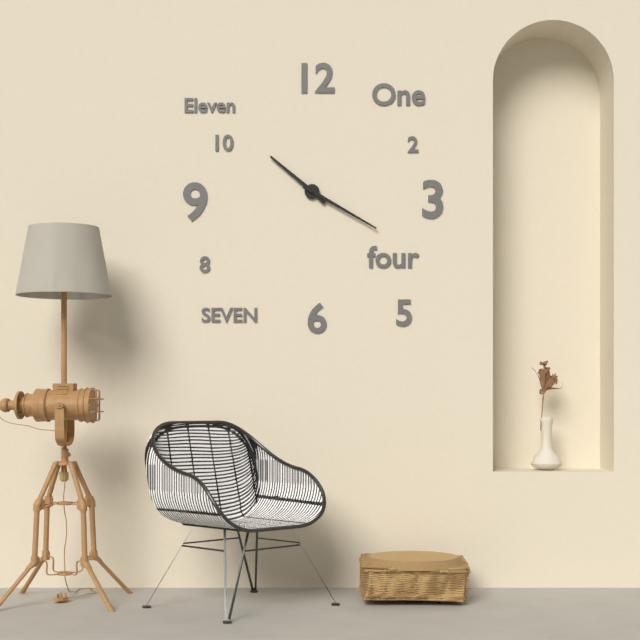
10:20
